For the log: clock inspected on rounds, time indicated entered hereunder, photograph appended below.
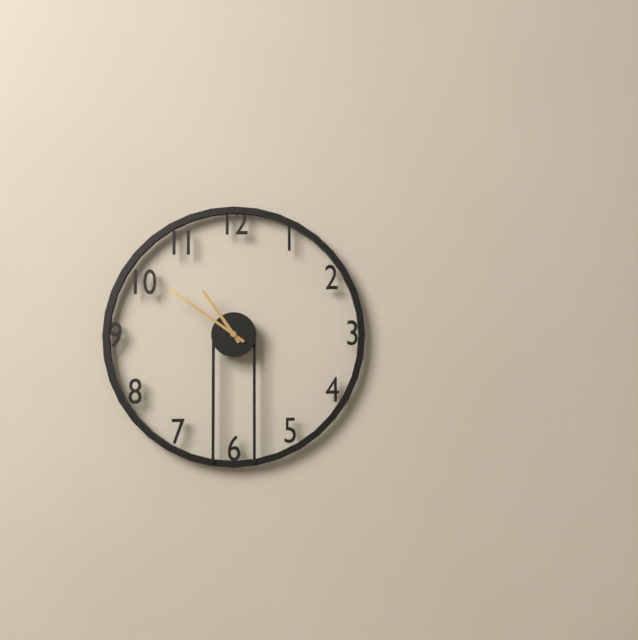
10:51
